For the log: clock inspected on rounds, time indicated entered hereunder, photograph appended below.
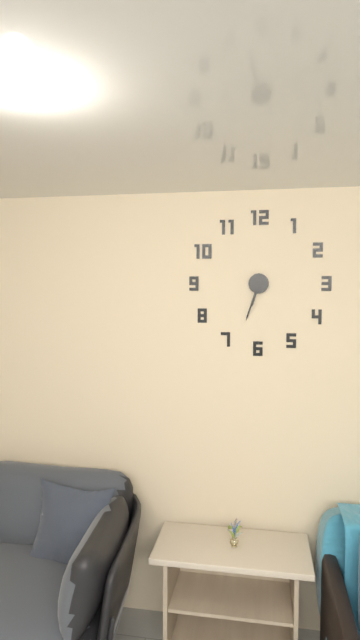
6:33
